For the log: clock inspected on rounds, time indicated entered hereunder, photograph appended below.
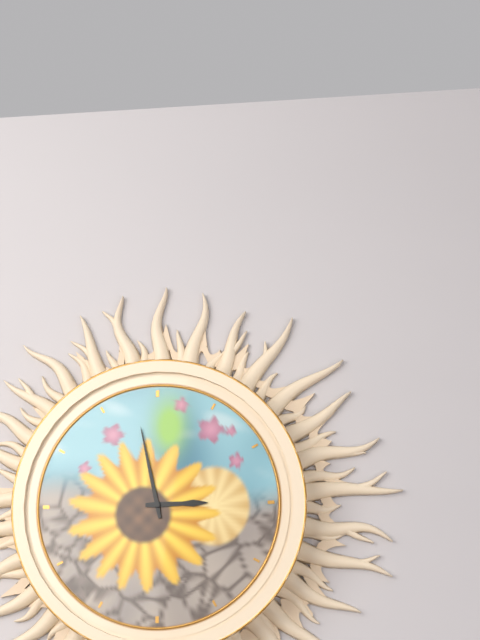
2:58
